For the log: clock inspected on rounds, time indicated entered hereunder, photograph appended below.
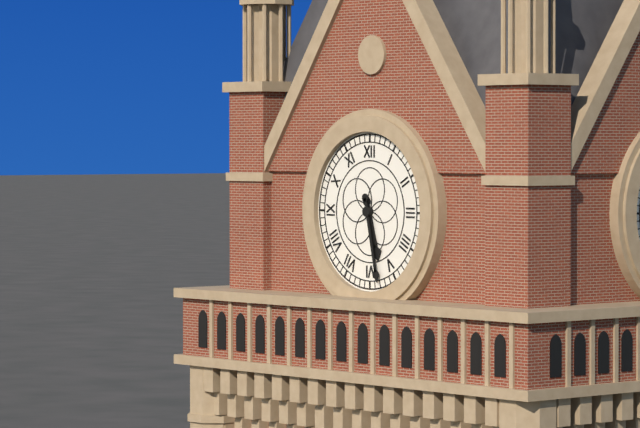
5:28
